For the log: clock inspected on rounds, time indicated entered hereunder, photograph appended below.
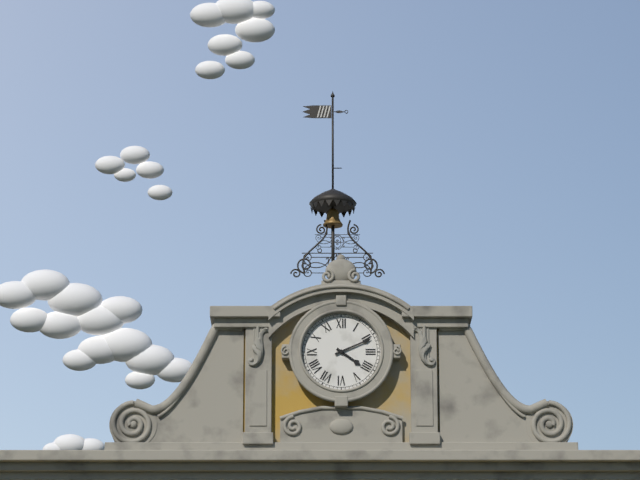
4:11
